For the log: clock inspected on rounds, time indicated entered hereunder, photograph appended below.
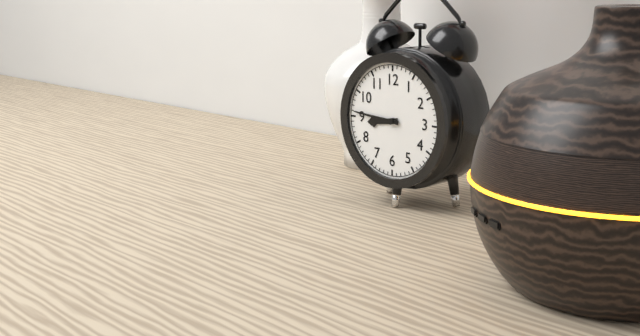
8:46
